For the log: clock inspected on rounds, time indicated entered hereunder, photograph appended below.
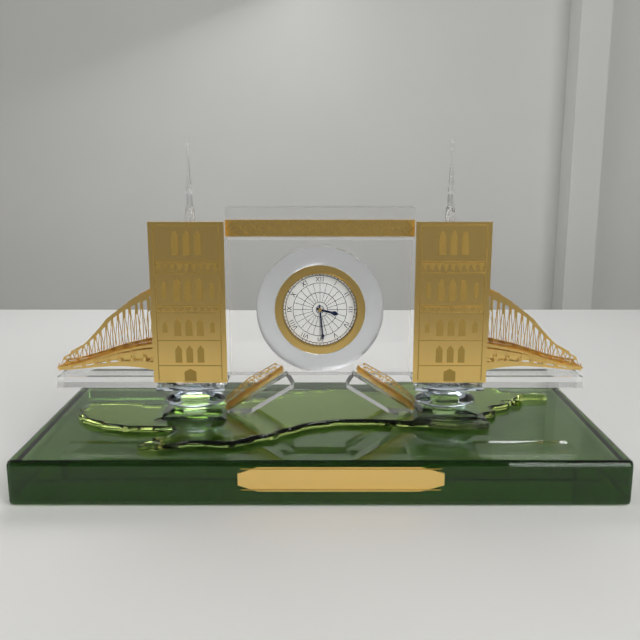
3:29
